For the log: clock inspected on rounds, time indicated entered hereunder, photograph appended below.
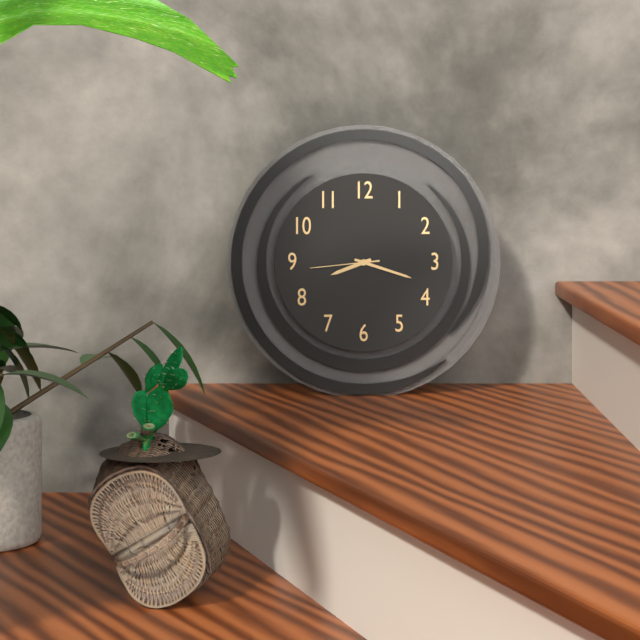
8:18:44
